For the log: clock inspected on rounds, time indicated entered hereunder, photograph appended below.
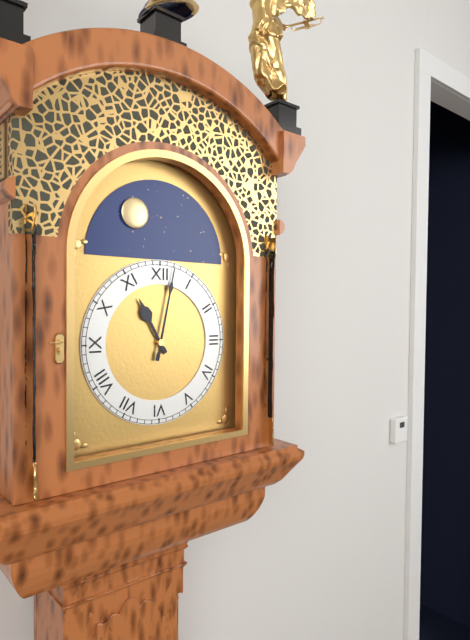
11:02
